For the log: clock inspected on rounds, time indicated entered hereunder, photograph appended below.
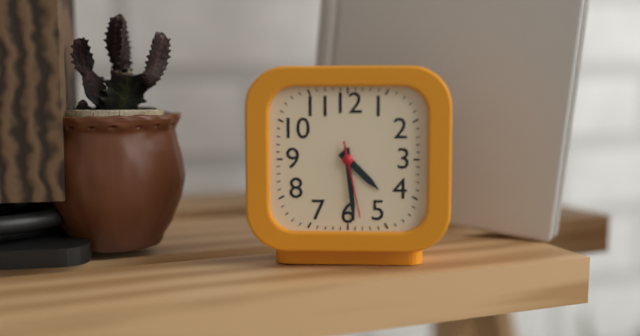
4:29:28
